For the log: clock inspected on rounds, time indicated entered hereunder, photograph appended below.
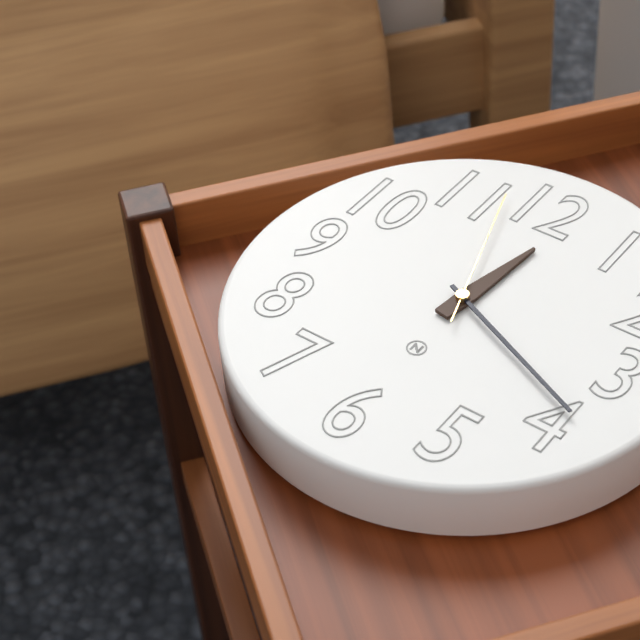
12:19:57
